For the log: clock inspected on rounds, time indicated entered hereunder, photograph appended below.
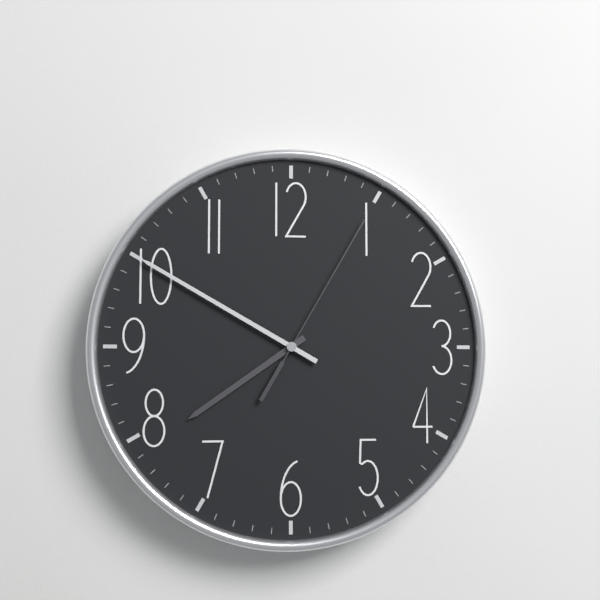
7:50:05
